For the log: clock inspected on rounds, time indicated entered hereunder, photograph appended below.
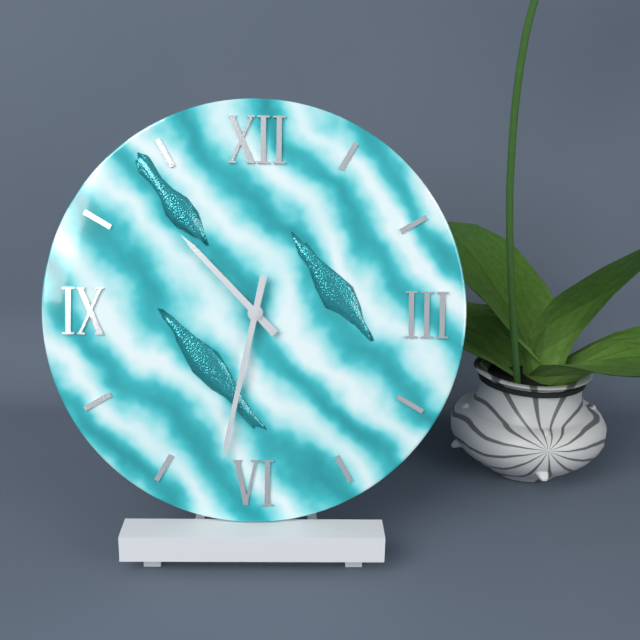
10:32
